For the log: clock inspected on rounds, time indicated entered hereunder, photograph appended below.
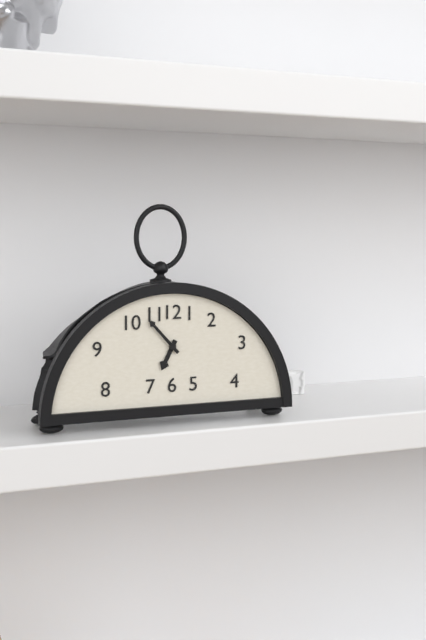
6:53
